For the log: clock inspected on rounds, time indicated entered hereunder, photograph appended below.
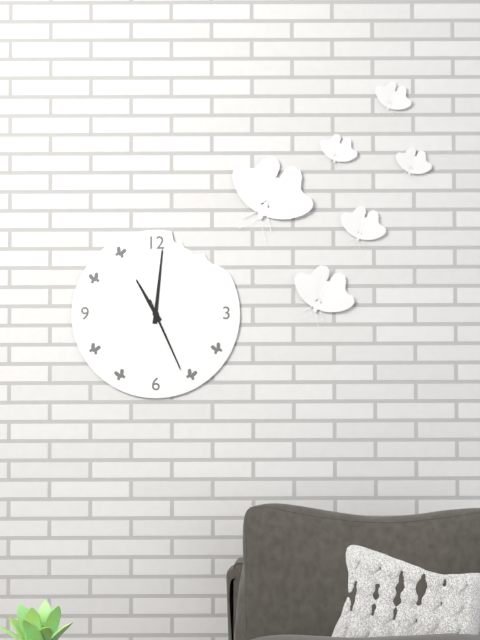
11:01:26
